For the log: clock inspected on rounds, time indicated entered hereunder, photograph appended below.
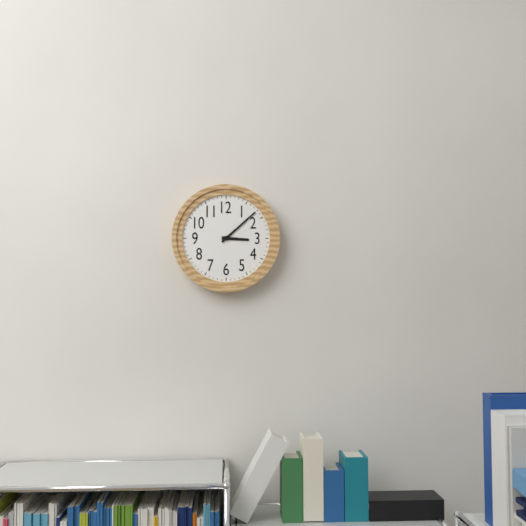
3:08
